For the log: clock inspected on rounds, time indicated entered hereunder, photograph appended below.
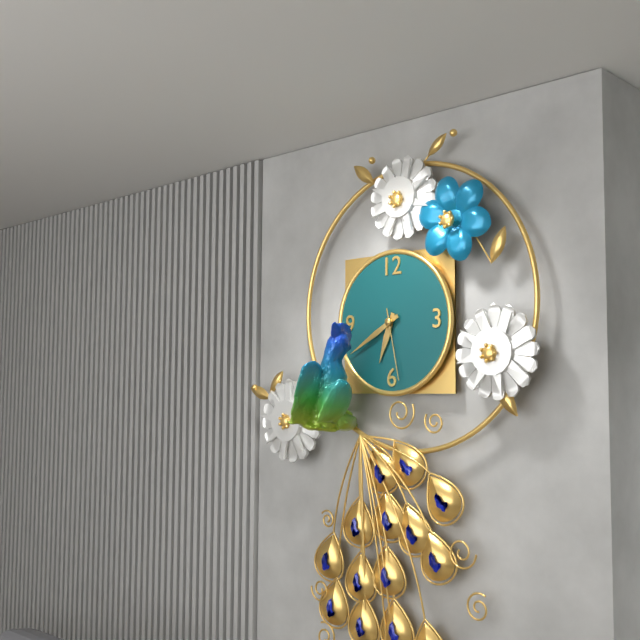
6:40:28
